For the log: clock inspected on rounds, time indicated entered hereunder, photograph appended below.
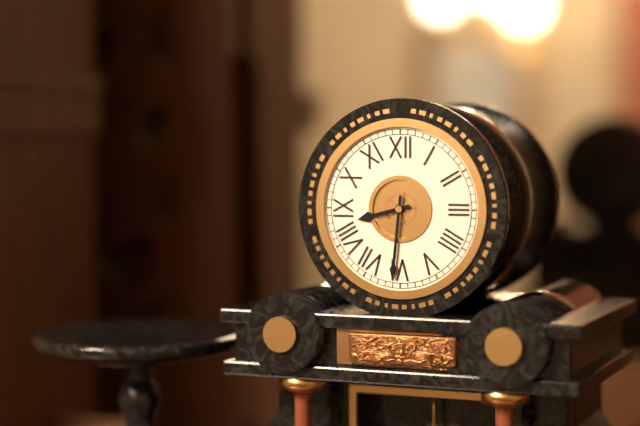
8:31
